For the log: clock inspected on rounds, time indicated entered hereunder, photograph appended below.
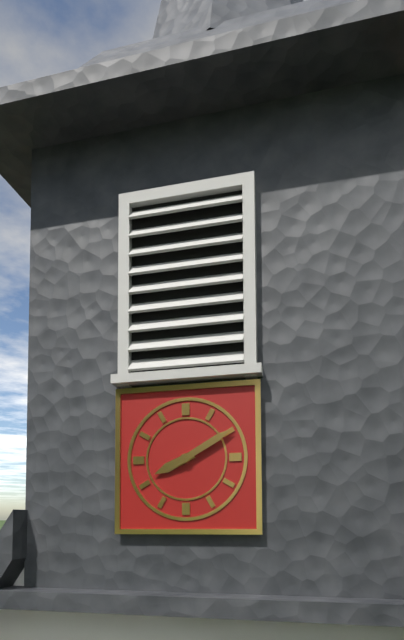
8:10
